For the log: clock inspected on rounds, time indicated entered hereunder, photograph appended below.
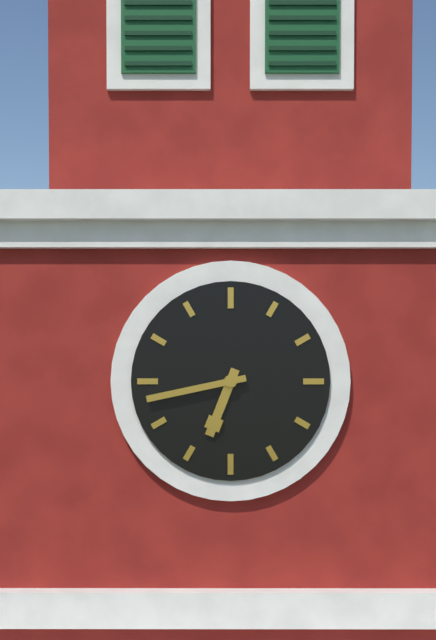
6:43
